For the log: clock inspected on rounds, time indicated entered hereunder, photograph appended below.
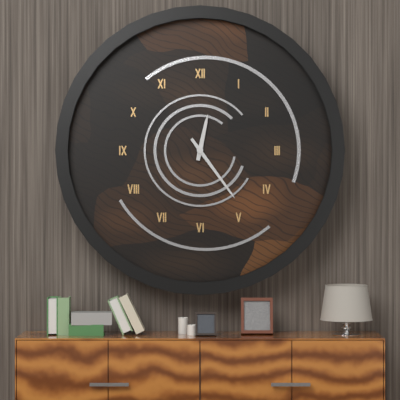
12:24
